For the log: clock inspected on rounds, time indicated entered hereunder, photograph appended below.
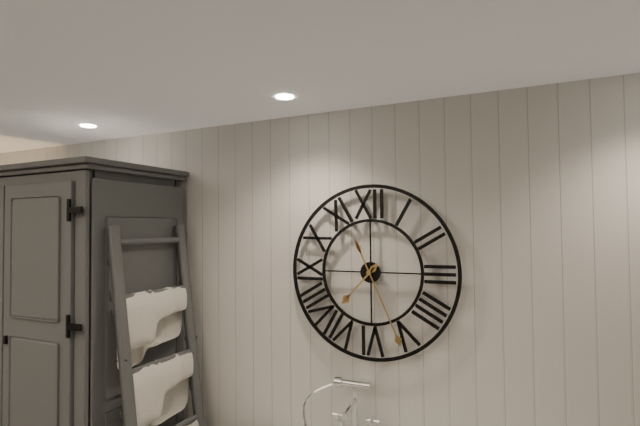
7:26
